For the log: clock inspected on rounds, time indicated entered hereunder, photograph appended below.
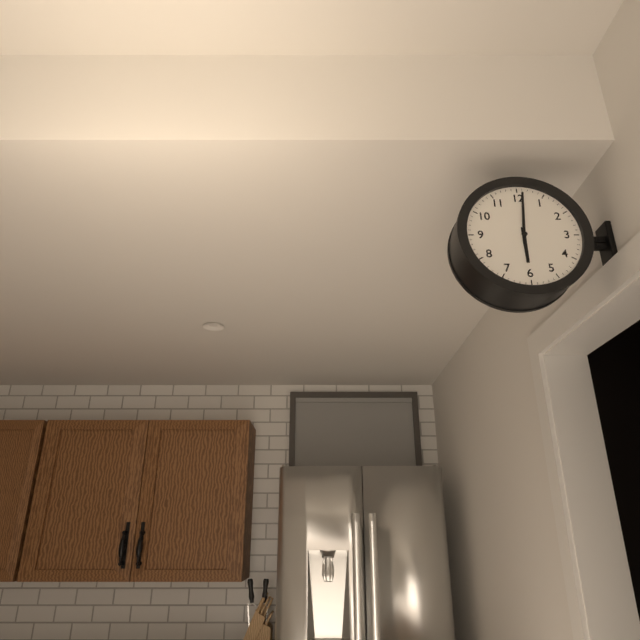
6:01
